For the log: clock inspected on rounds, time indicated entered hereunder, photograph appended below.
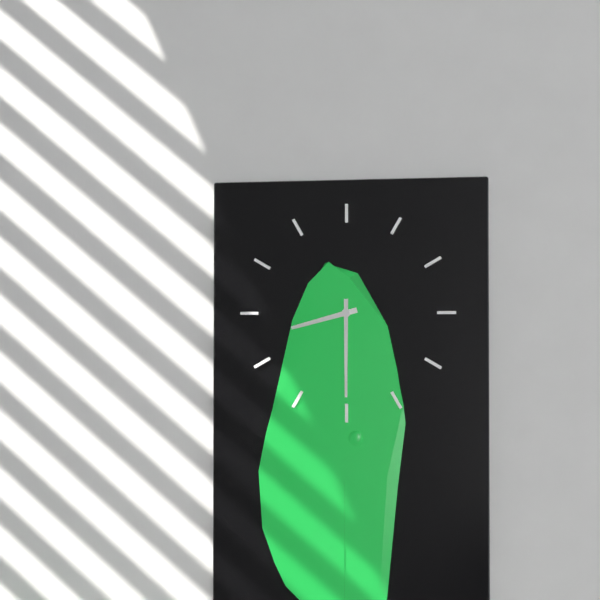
8:30
